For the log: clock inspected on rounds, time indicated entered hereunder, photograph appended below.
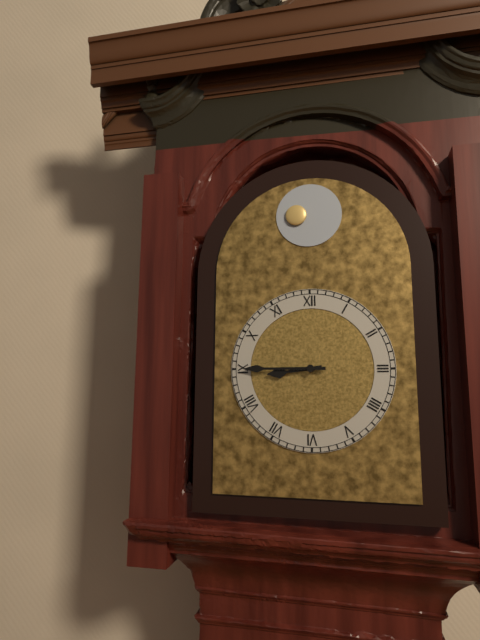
8:45
